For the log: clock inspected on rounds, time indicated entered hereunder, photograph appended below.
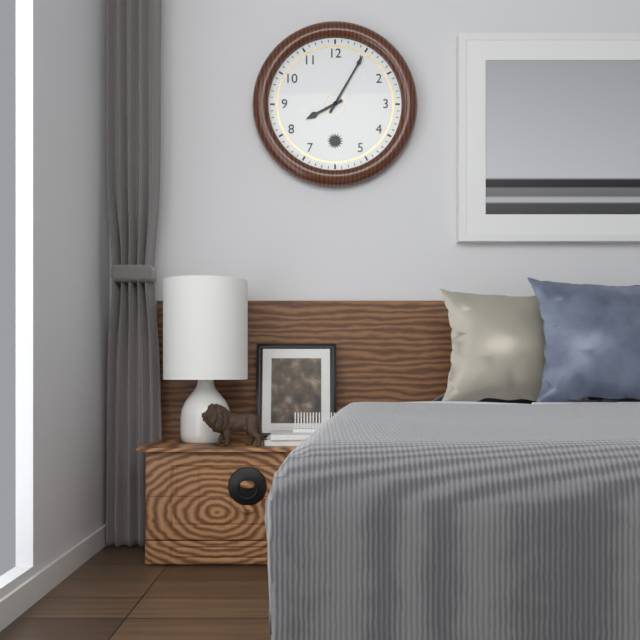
8:05
